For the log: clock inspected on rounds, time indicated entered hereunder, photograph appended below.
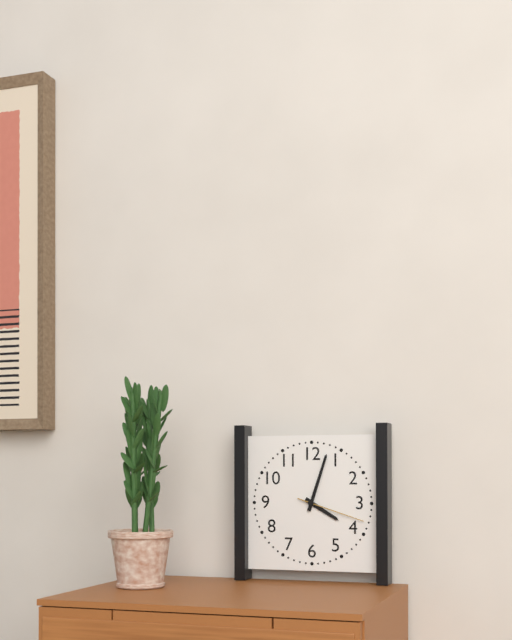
4:03:18
